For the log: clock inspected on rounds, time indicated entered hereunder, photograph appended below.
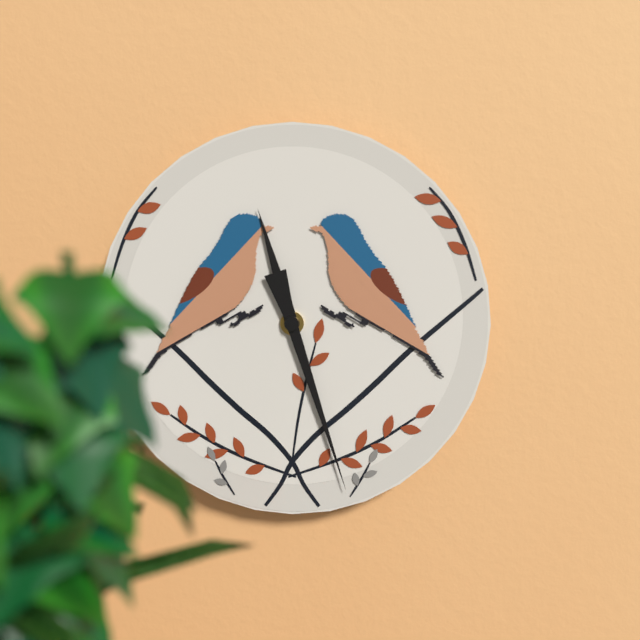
11:27
